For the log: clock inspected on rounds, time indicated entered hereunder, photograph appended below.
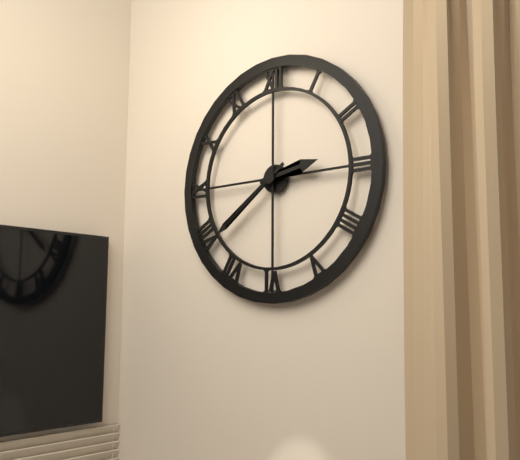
2:39
